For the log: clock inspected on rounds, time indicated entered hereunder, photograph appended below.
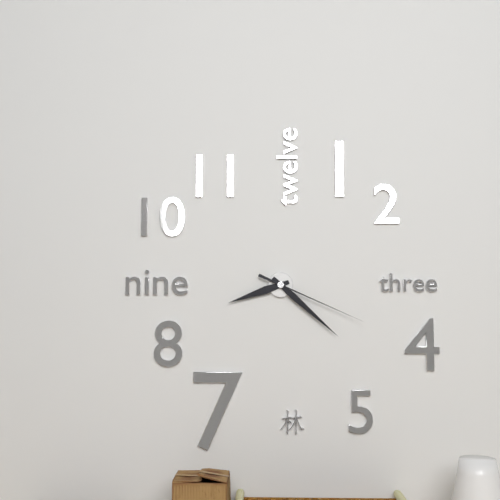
8:22:19
